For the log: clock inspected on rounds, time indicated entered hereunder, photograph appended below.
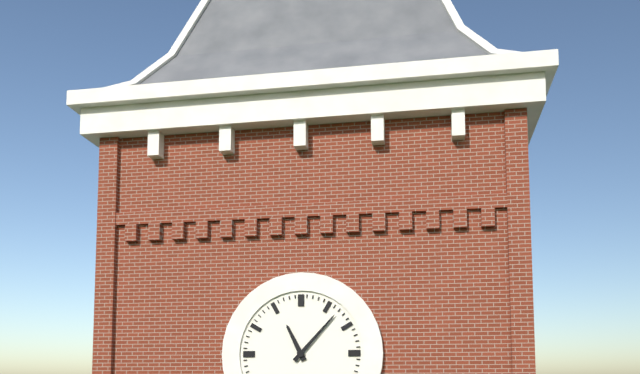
11:07
